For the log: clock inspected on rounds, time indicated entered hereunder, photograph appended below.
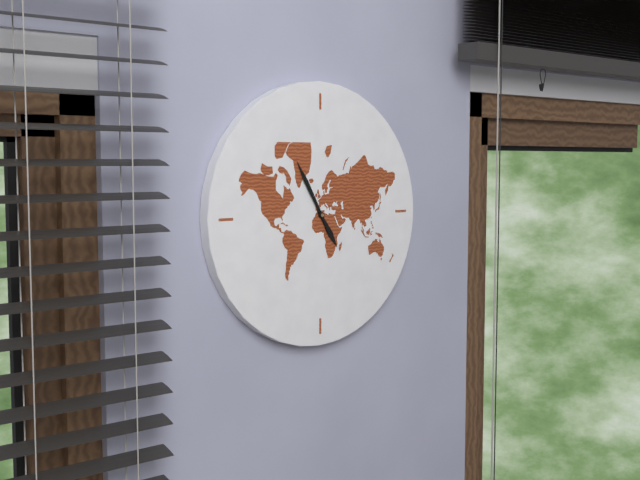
4:55
